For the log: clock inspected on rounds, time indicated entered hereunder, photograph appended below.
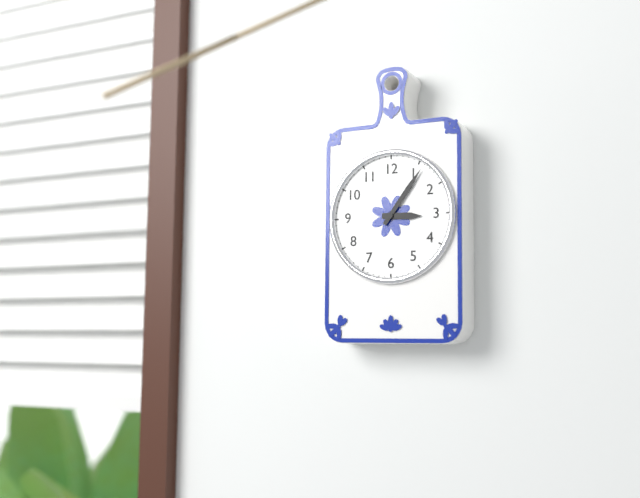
3:06
